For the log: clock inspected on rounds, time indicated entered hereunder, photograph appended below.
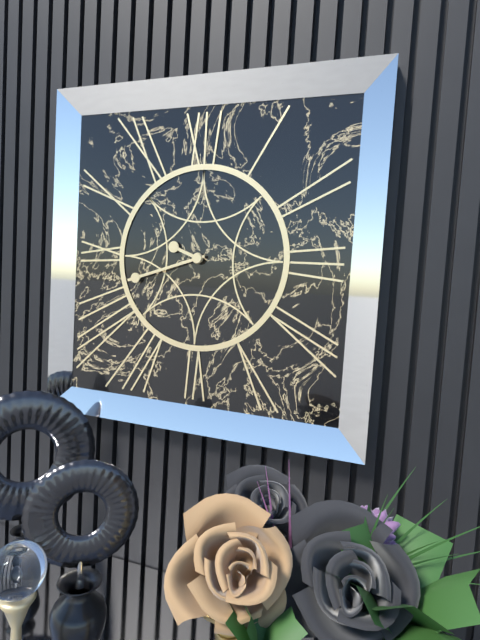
9:42
